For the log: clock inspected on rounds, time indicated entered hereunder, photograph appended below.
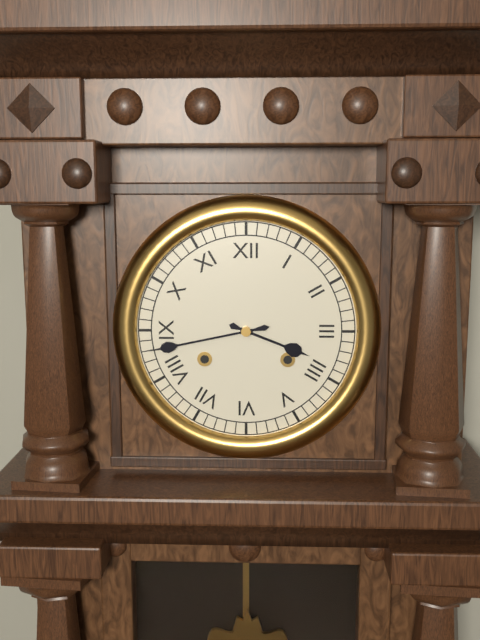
3:43
